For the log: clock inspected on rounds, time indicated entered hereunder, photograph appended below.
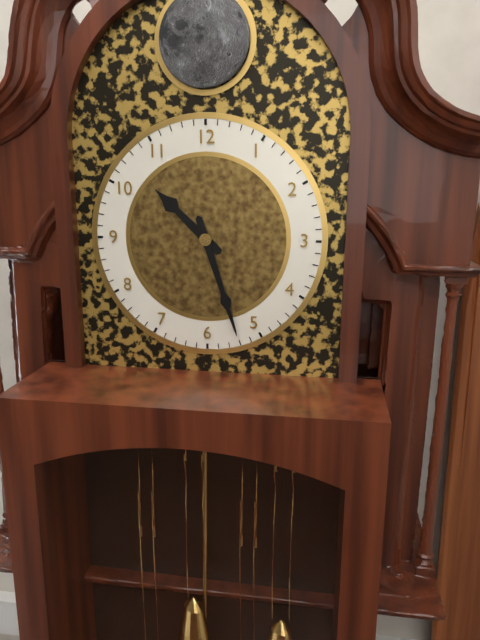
10:27
